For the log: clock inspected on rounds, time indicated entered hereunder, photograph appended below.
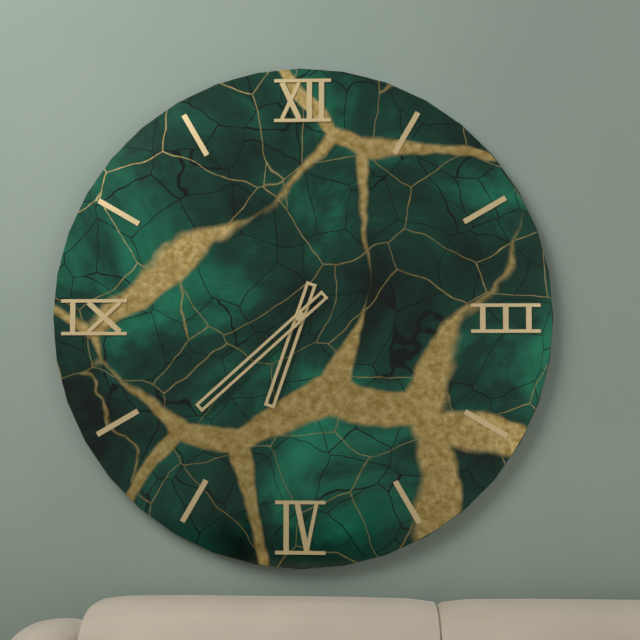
6:38
